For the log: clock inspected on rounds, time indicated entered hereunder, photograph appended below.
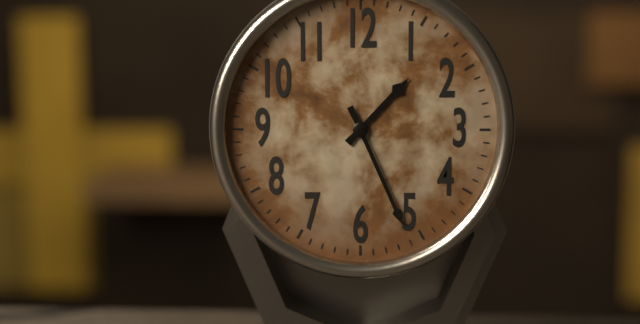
1:26
